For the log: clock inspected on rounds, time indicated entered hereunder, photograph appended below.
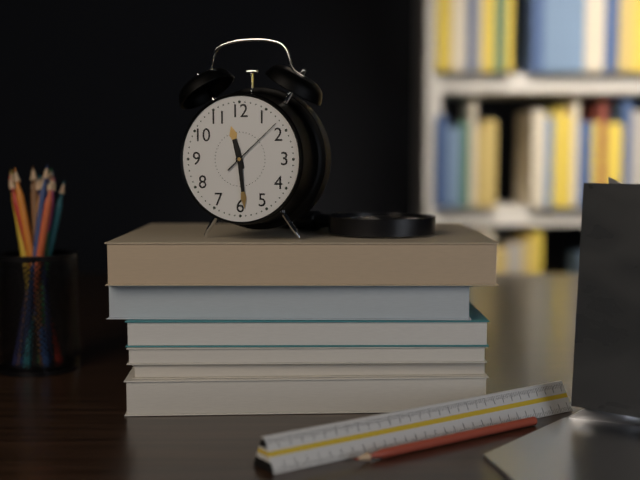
11:29:08
